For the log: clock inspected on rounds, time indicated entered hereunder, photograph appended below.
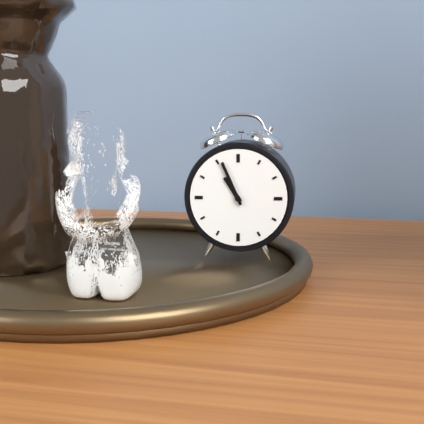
10:56
